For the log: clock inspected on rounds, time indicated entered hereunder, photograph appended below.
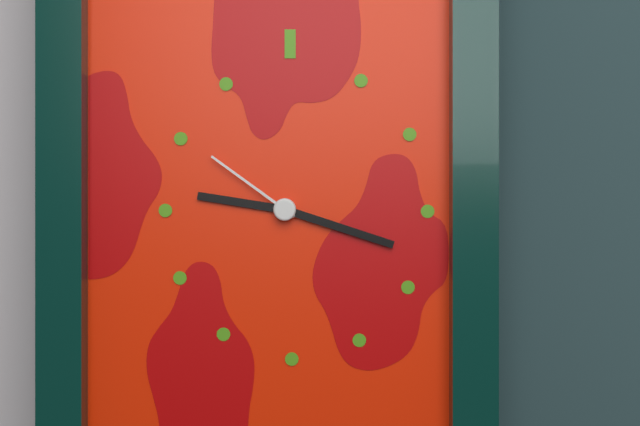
9:18:51
